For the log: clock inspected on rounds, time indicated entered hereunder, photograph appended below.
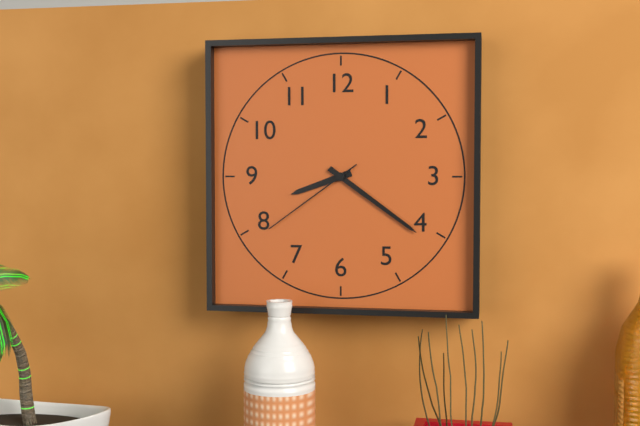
8:21:39
